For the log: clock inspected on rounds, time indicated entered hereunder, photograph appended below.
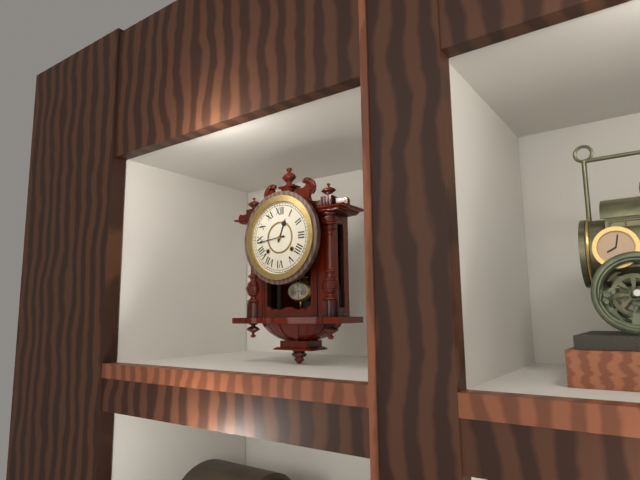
12:44
